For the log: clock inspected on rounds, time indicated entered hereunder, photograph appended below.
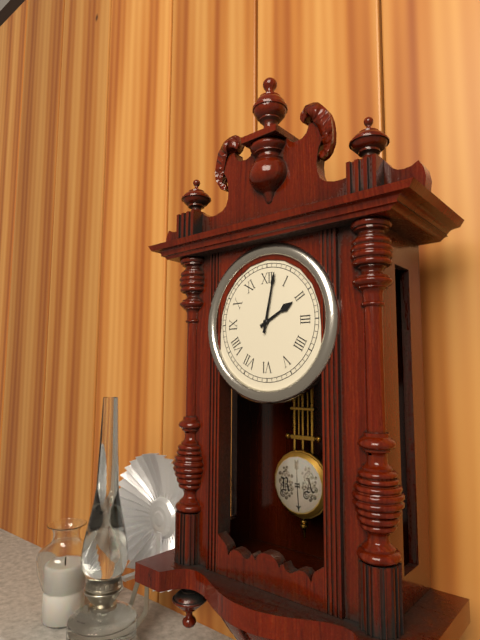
2:02
